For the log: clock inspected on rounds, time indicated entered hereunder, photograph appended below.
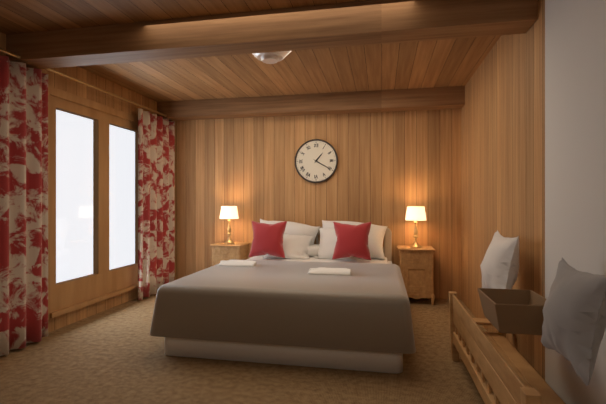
1:20
